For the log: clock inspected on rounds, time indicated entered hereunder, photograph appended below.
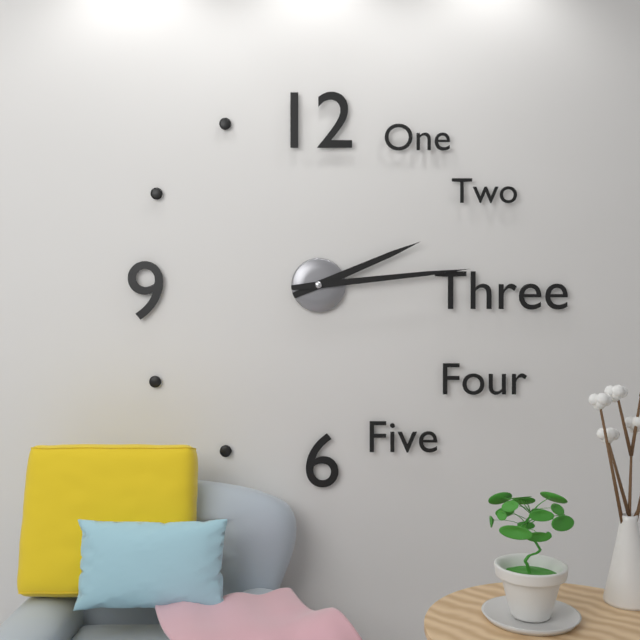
2:14
